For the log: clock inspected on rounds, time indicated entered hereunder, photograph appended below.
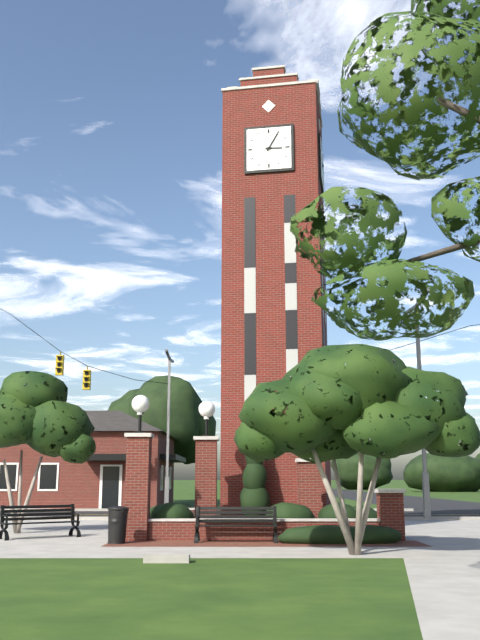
3:05
